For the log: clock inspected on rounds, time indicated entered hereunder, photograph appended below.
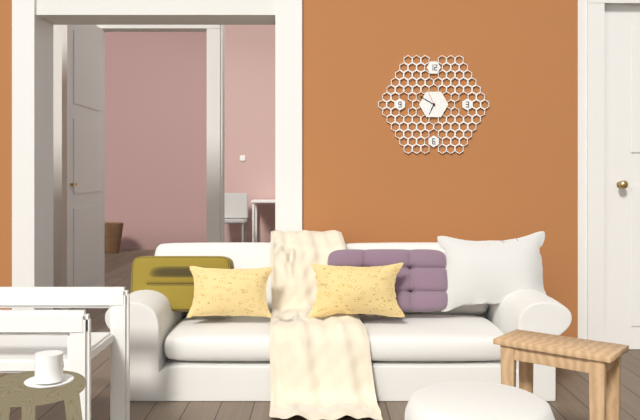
6:50
